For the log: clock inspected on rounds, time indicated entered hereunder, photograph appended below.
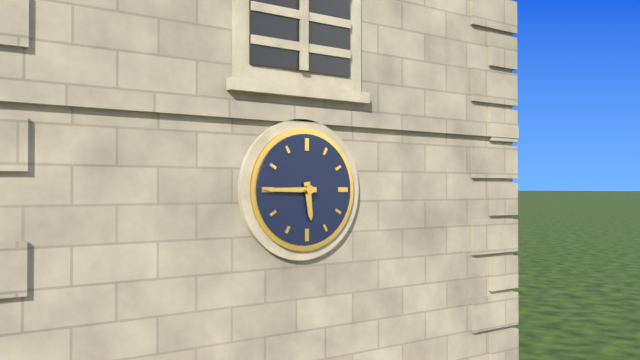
5:45
